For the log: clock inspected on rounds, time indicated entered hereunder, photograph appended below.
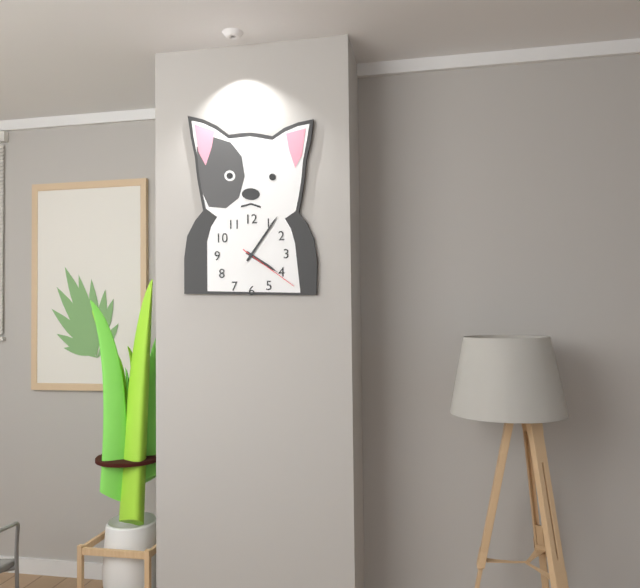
4:06:21
